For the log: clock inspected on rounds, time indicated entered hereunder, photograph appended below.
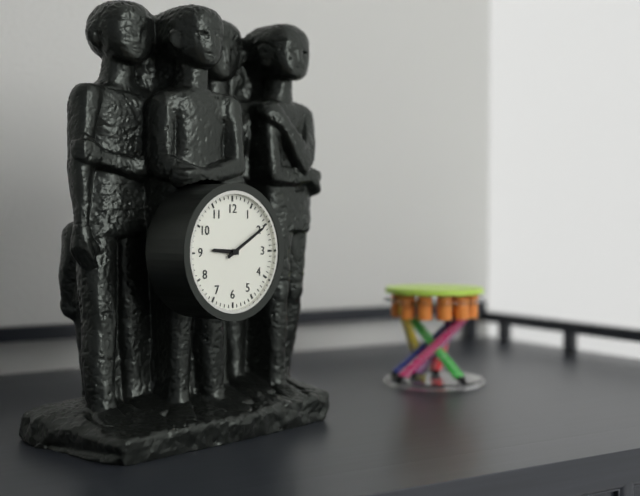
9:10
